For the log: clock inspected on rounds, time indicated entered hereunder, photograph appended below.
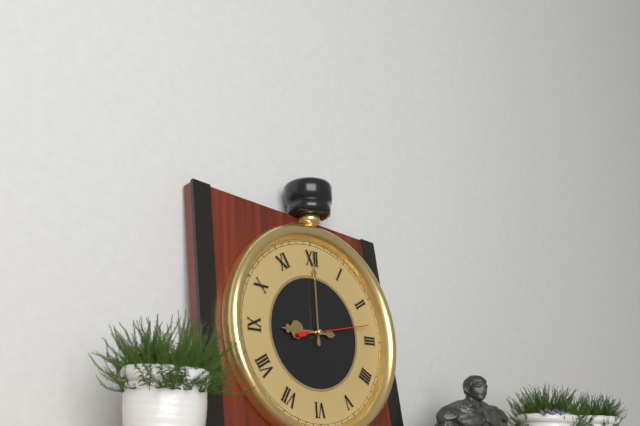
9:00:13
